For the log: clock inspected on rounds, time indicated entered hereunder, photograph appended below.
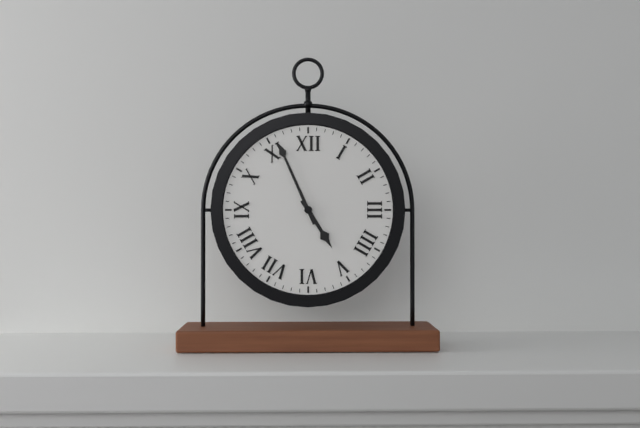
4:56
